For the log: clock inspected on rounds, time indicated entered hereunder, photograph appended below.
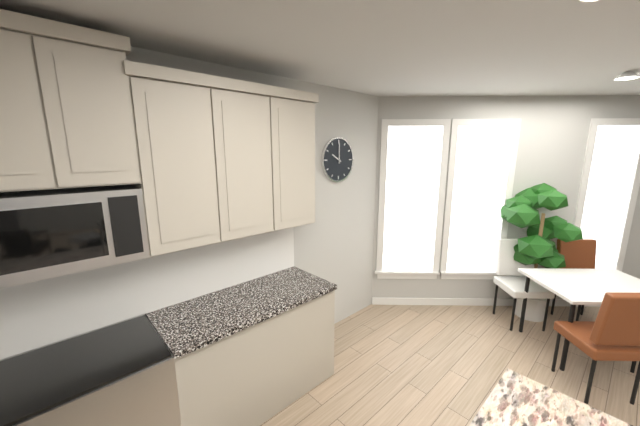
10:00
